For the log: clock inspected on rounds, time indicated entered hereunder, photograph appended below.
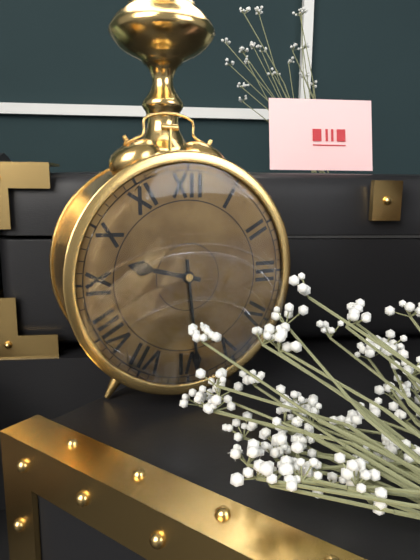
9:29
